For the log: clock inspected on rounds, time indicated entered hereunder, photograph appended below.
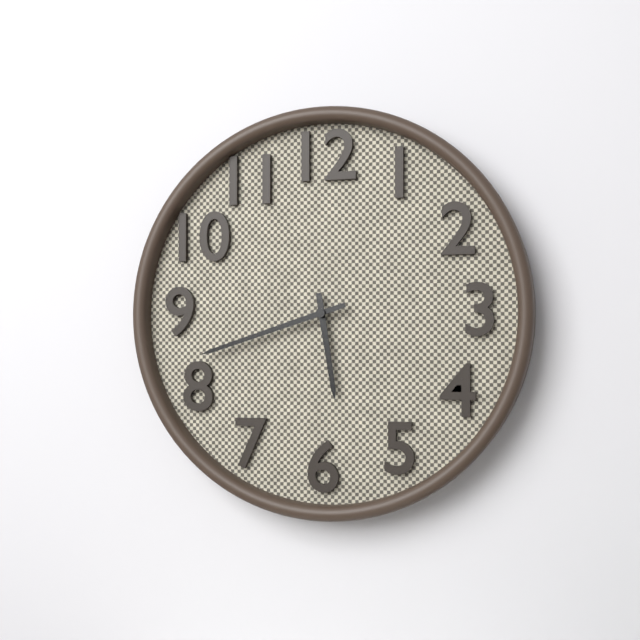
5:42
